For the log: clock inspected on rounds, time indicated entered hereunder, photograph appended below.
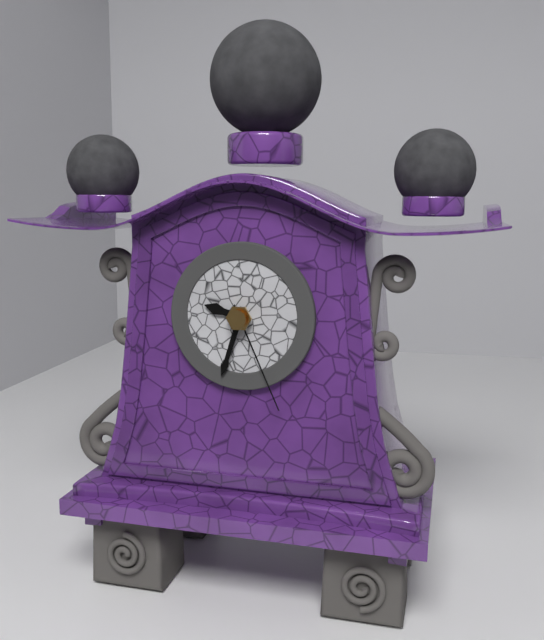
9:33:26
